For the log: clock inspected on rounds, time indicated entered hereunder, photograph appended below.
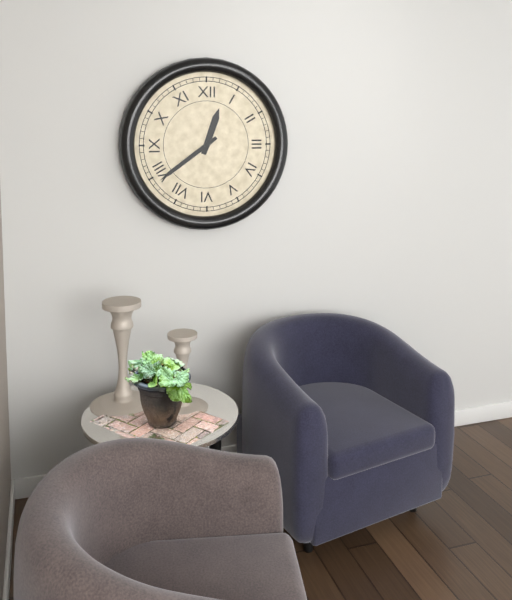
12:39
